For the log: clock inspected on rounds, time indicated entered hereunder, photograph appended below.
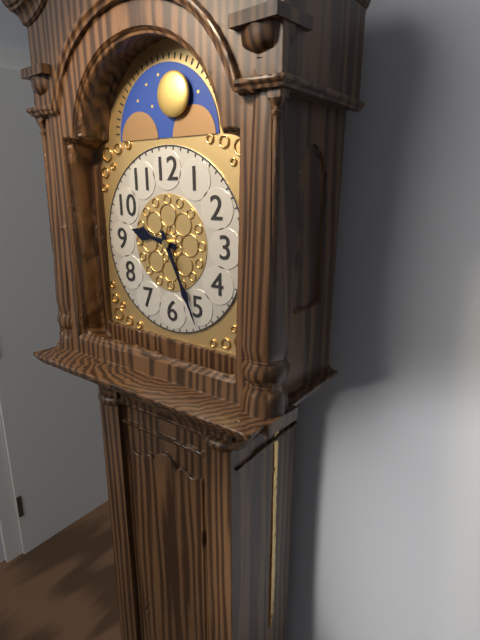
9:26
